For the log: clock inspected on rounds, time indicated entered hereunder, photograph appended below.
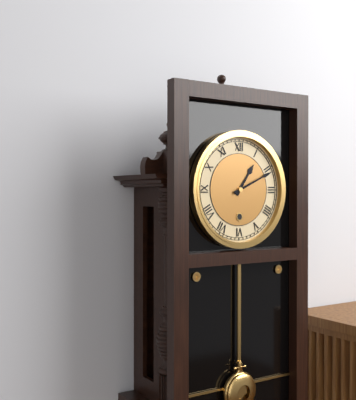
1:11
